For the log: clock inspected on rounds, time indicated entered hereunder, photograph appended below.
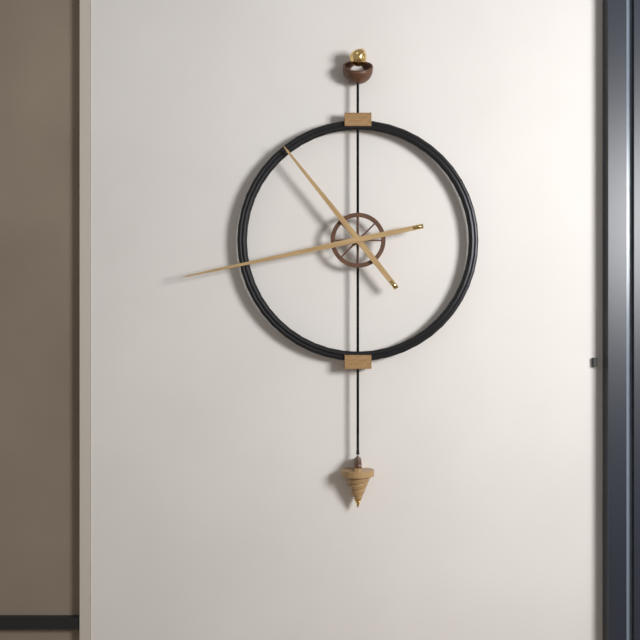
10:43
